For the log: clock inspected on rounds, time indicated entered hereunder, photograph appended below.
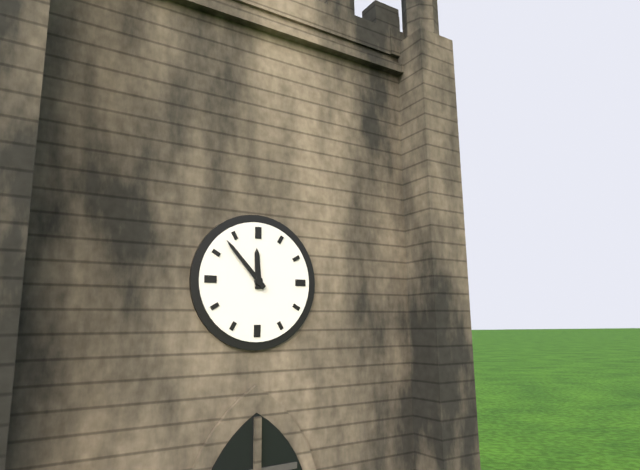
11:53
